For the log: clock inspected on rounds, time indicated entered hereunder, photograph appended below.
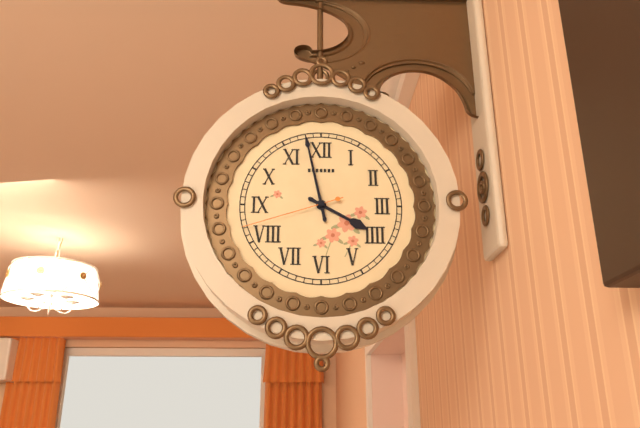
3:58:42
